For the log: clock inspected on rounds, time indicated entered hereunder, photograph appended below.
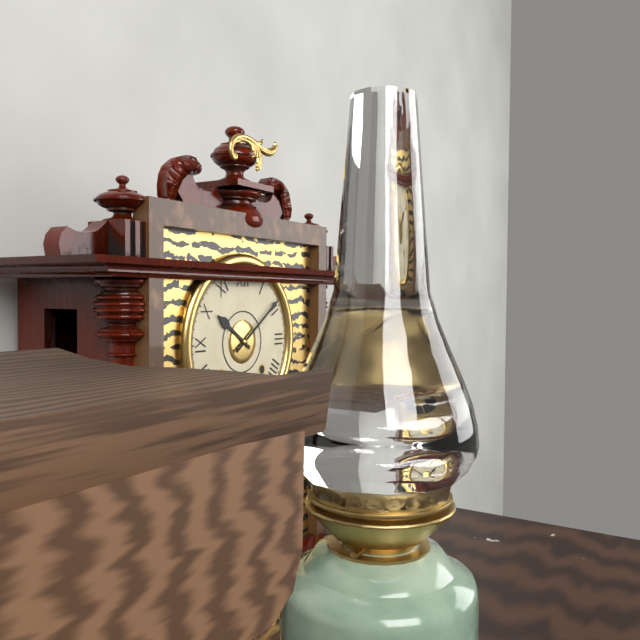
10:09
